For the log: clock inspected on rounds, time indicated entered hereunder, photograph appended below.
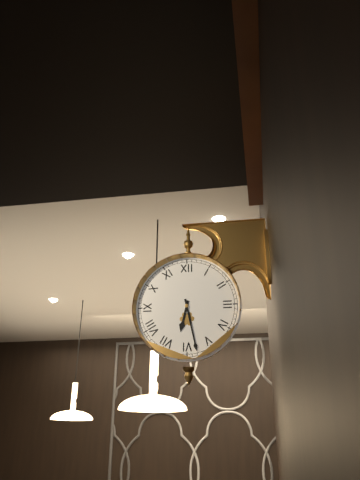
6:28
